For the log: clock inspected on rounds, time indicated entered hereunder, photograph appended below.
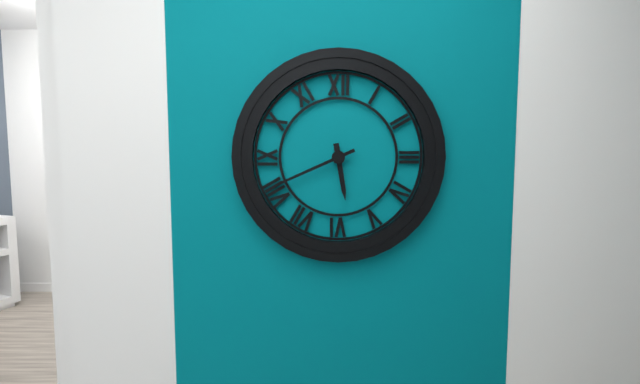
5:41
